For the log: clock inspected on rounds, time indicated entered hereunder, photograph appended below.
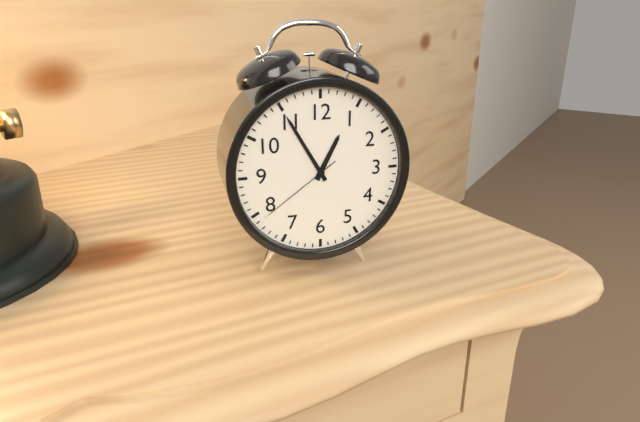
12:55:39
